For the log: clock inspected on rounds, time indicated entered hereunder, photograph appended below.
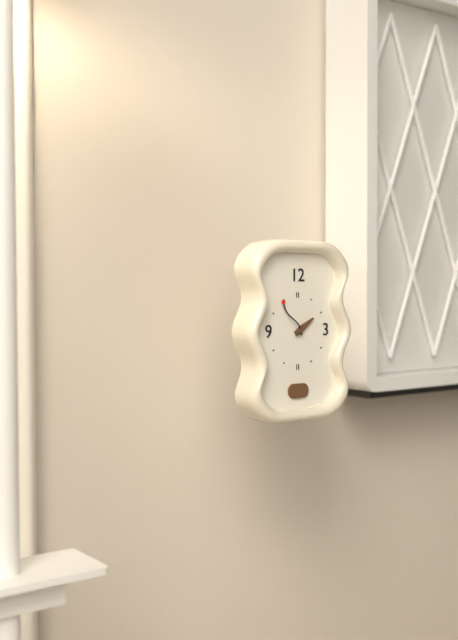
1:54
